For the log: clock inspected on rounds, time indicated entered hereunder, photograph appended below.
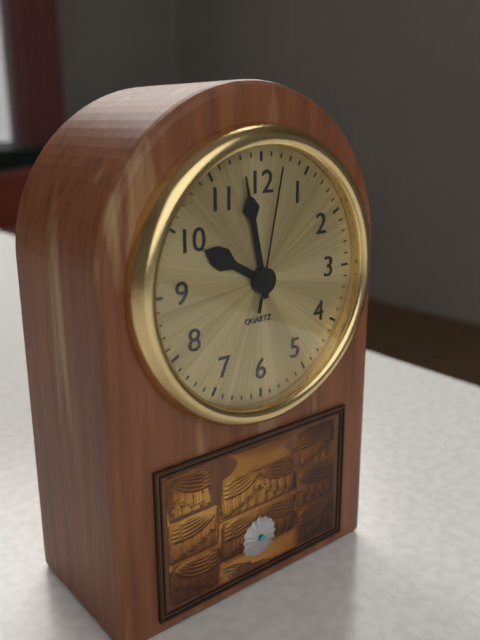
9:58:02
